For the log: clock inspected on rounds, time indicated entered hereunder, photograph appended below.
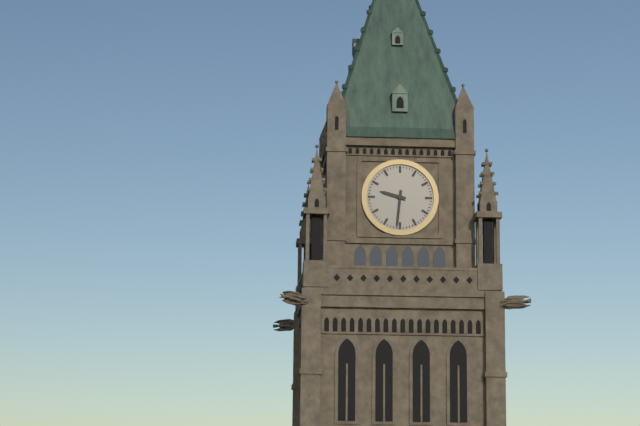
9:31
